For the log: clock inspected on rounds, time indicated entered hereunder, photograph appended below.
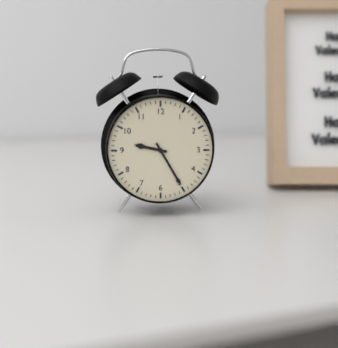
9:25
